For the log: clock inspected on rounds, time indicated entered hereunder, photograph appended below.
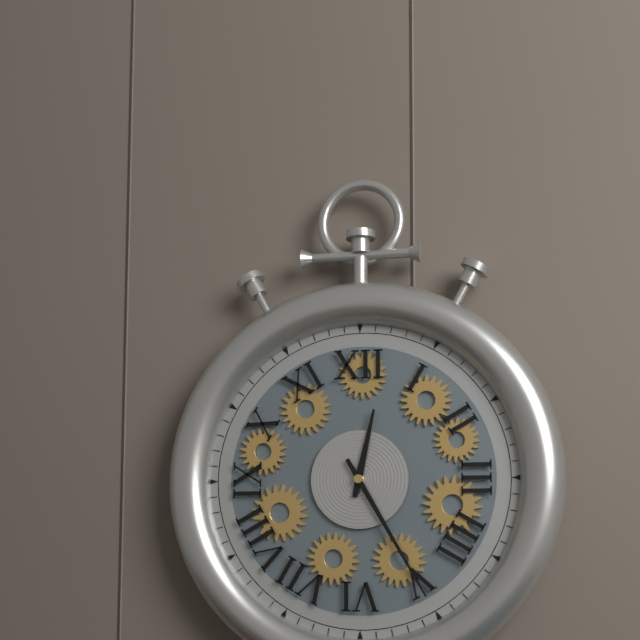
12:25
